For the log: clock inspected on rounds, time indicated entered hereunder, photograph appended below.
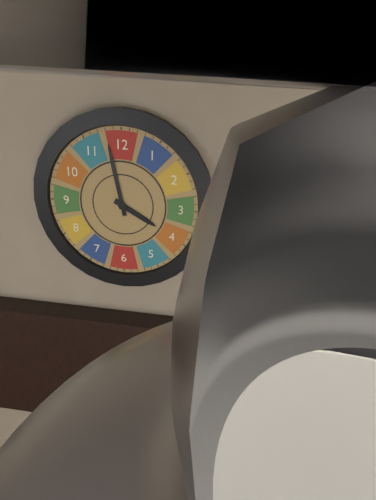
3:58
